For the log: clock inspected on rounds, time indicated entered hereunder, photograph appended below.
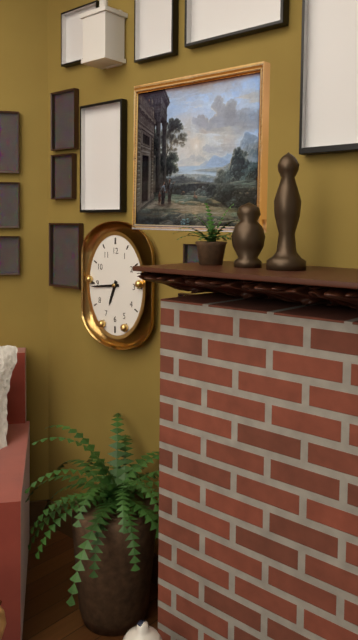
6:44
